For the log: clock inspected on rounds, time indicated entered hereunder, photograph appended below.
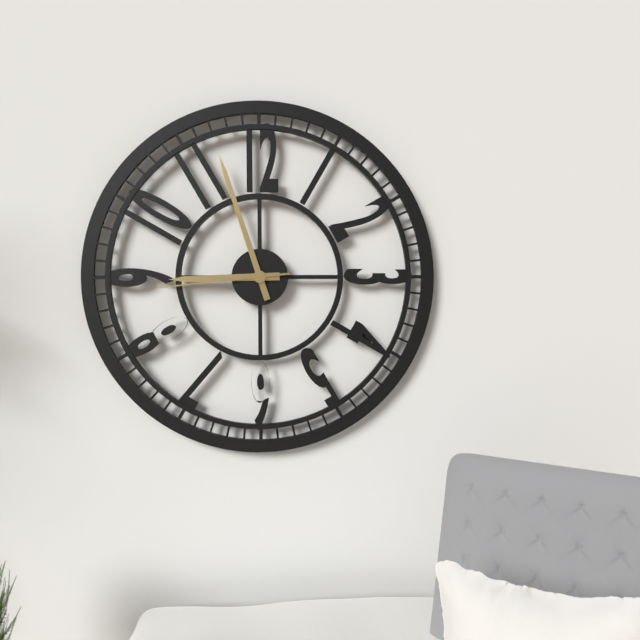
8:57:44
